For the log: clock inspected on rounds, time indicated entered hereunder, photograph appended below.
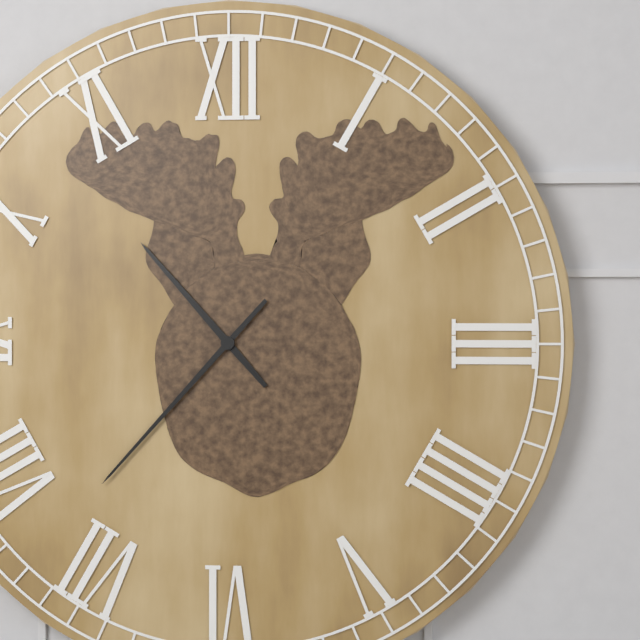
10:37
